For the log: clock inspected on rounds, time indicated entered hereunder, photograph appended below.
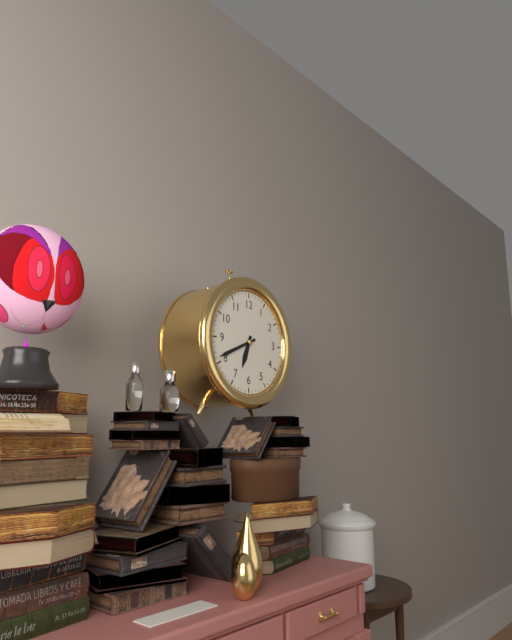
6:41
